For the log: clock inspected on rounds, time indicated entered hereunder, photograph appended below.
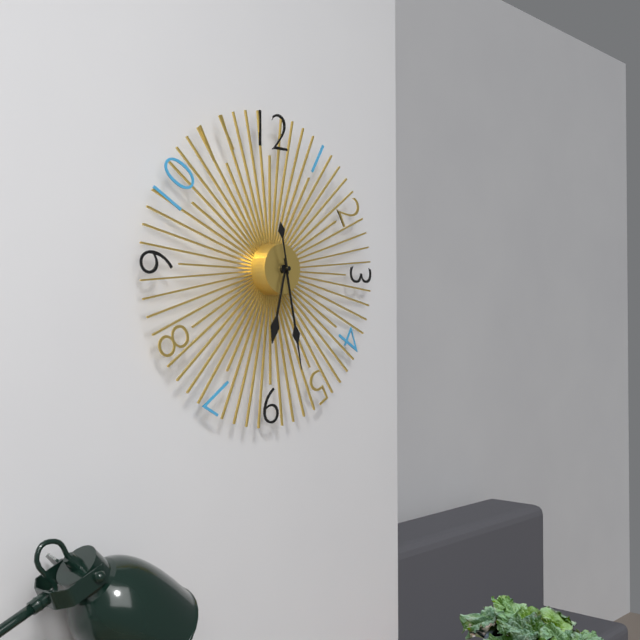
6:28:58
